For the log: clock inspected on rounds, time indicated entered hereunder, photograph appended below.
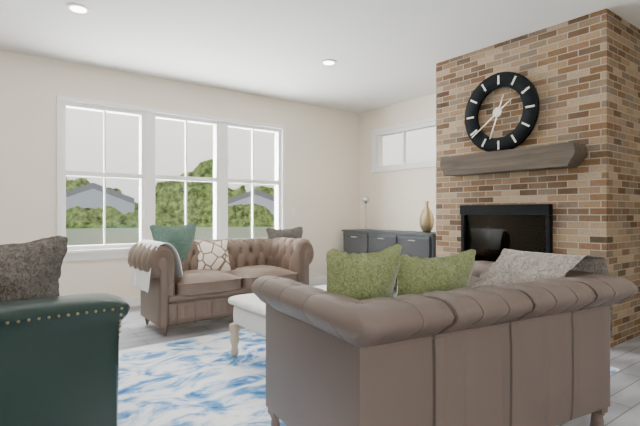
6:39
